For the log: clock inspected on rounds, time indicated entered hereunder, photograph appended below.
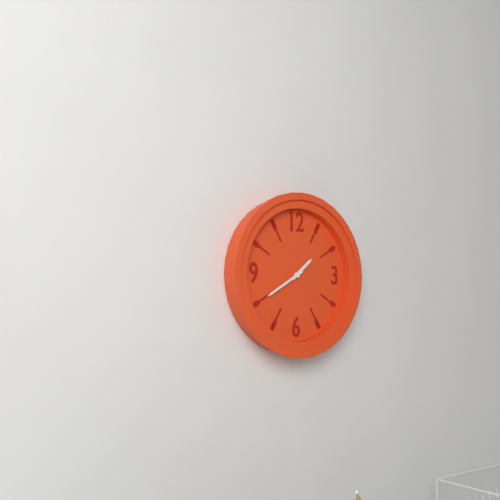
1:40
